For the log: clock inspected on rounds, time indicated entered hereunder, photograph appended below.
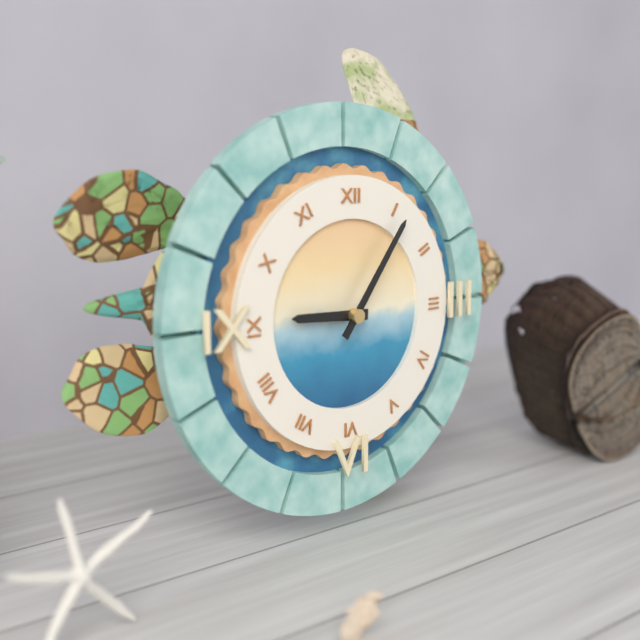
9:06
